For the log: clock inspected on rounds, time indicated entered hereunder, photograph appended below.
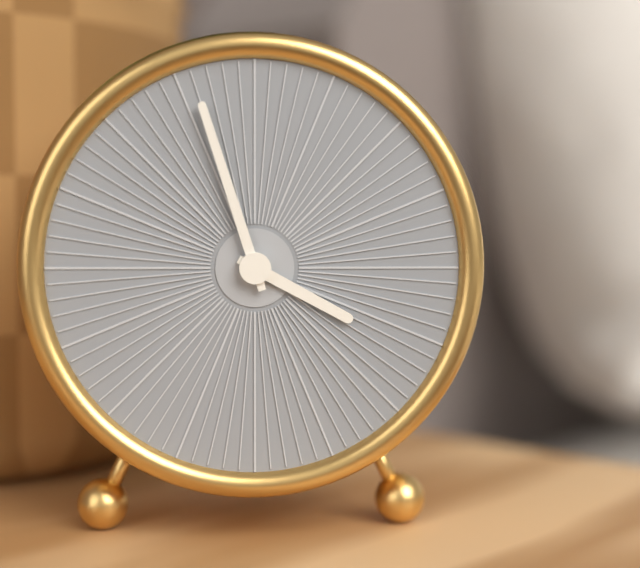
3:57
